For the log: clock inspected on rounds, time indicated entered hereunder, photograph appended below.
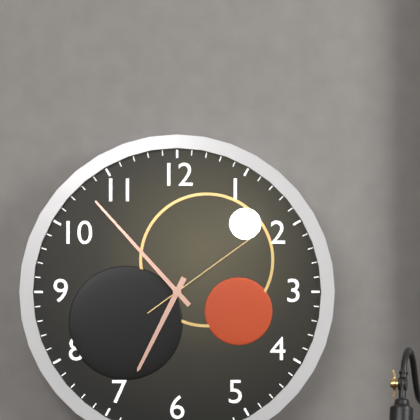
6:53:09
